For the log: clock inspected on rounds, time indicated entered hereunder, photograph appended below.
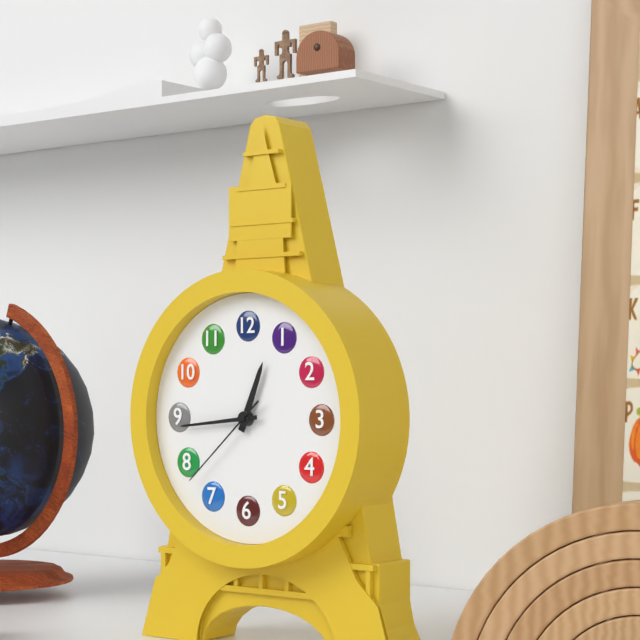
12:44:38
